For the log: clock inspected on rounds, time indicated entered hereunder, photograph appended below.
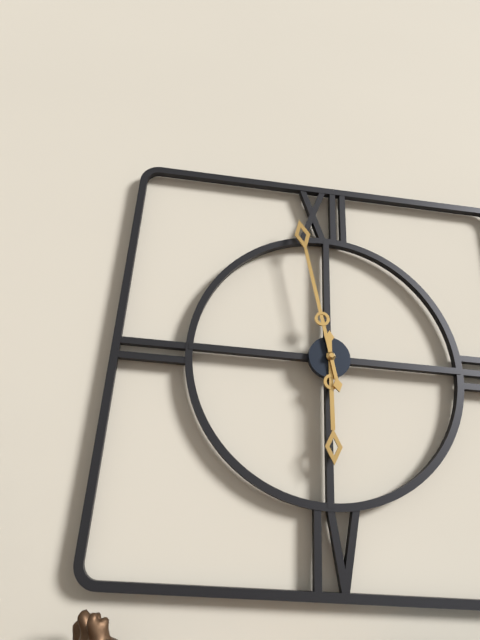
5:58
